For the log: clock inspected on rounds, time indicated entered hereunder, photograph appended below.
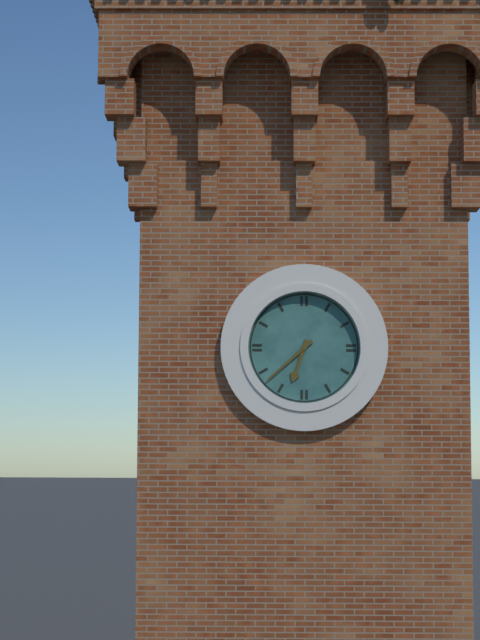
6:38
